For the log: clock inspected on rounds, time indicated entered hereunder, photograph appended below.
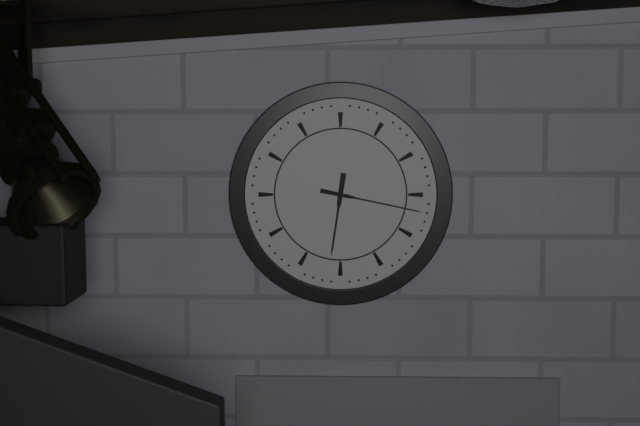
6:17
